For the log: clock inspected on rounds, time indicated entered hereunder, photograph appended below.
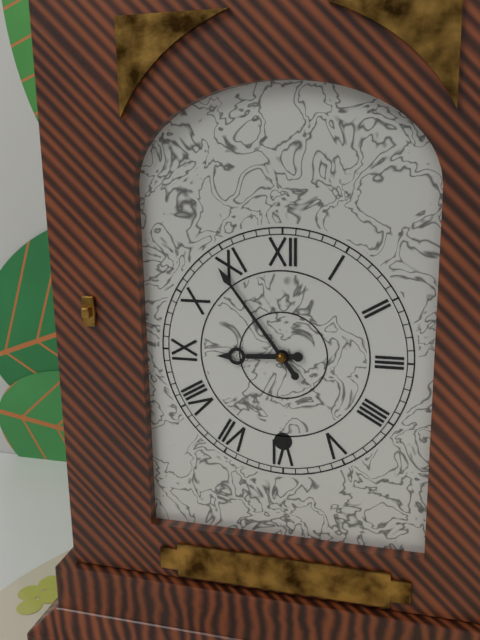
8:54
